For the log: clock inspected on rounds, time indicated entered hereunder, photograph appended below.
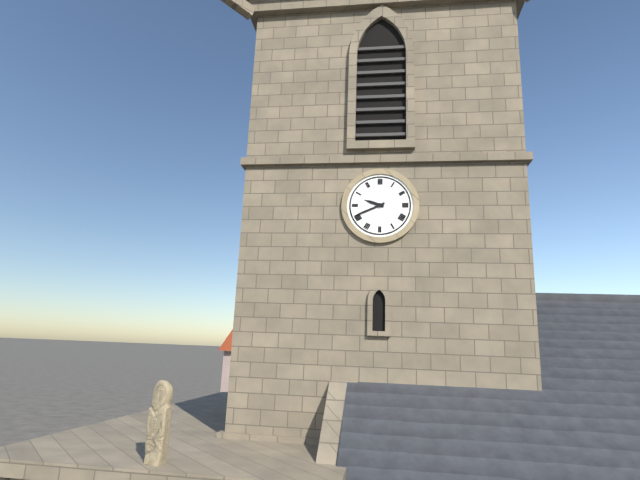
9:41
